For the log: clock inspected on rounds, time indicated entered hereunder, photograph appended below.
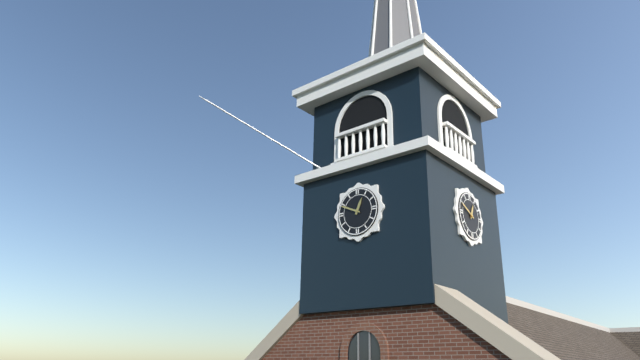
12:49
